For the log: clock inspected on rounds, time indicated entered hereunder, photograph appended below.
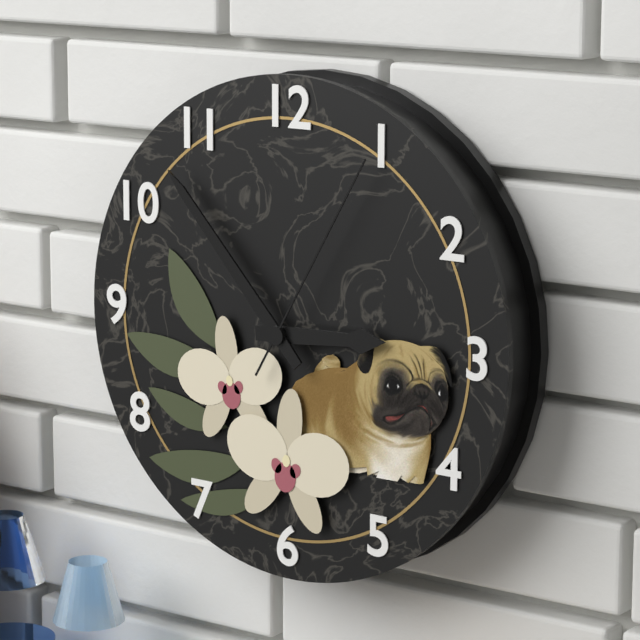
2:53:05
